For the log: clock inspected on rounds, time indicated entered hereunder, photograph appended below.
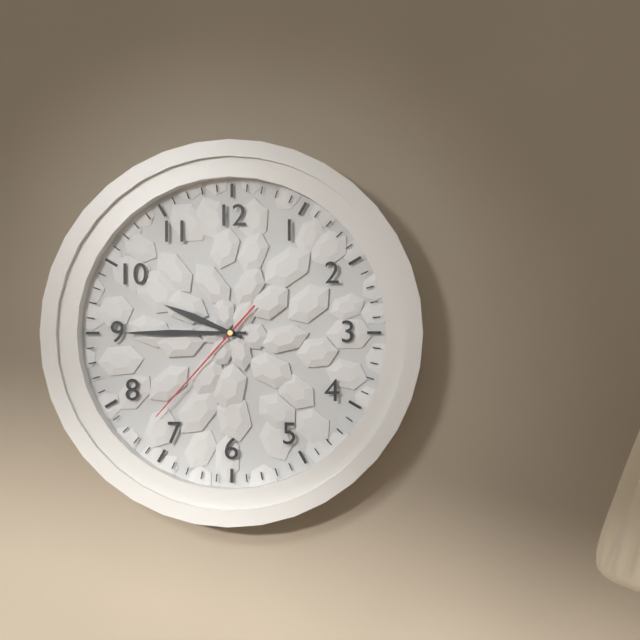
9:45:37
